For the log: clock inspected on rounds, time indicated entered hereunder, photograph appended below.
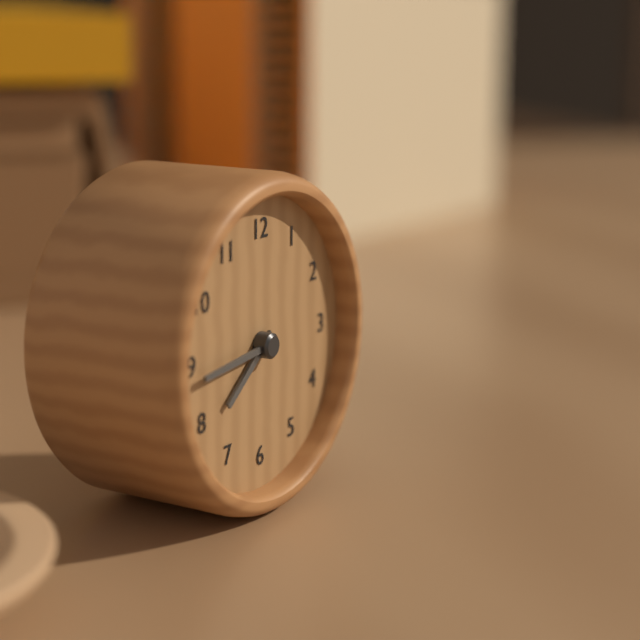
7:44
